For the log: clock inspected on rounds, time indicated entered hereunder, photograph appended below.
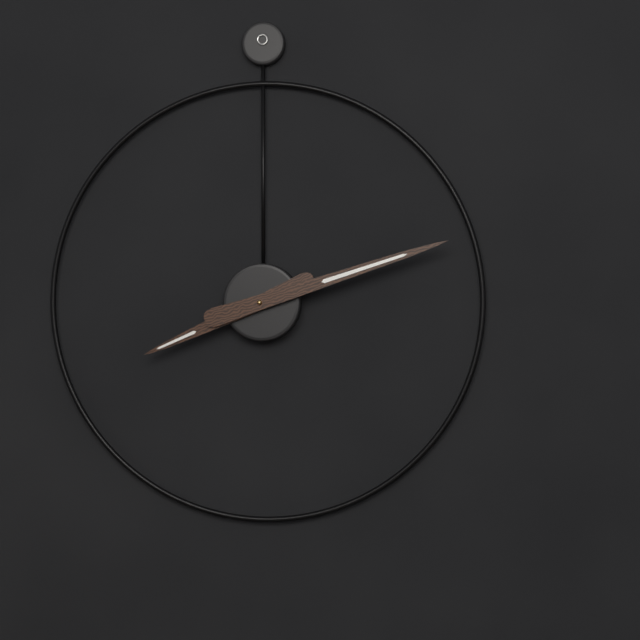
8:12
